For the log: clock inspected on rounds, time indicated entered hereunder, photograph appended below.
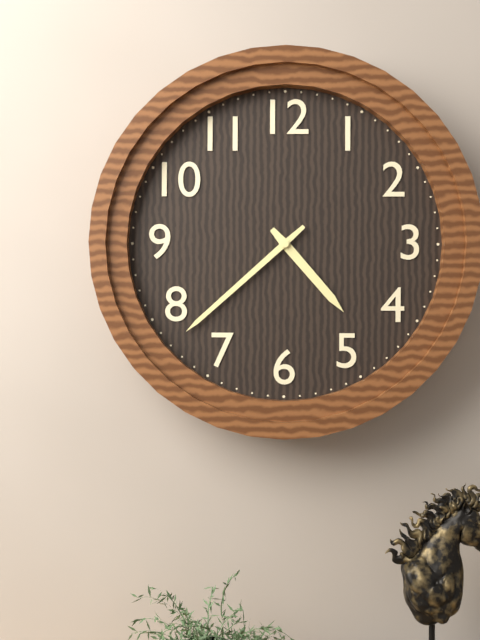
4:38
